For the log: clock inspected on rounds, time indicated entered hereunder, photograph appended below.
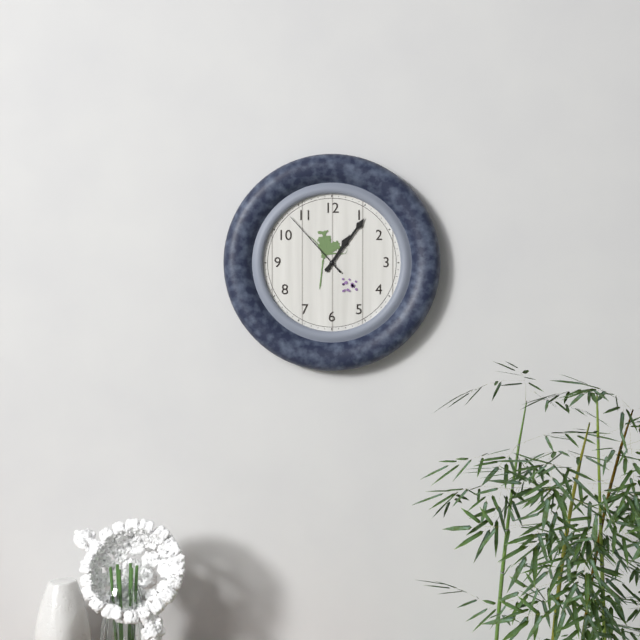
1:06:53
